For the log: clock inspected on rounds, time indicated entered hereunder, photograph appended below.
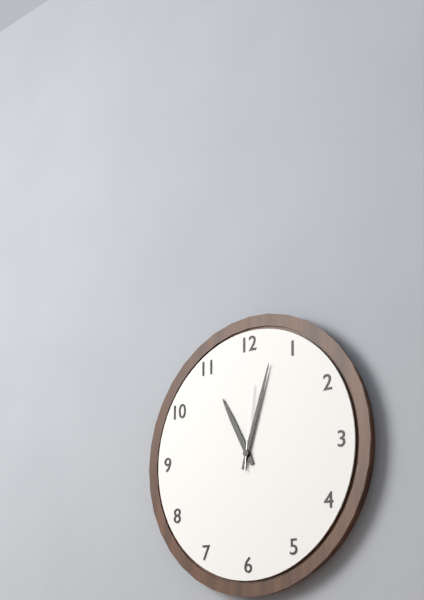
11:03:01
